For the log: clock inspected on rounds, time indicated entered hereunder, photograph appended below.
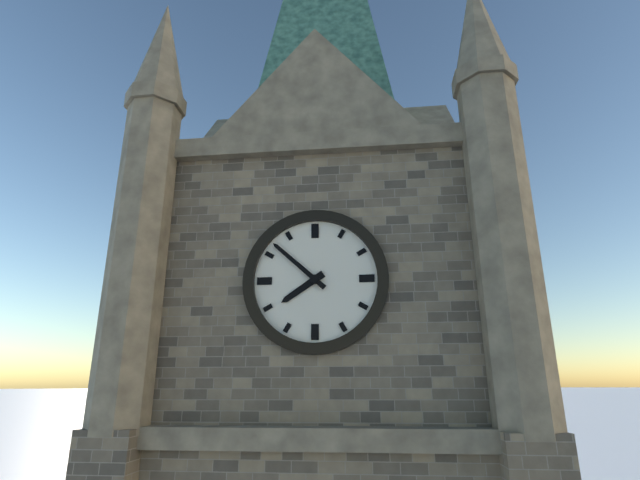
7:52
